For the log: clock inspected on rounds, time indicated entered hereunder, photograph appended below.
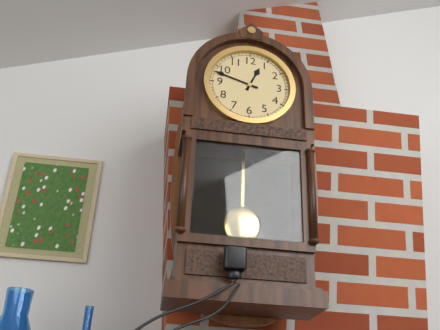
12:48
